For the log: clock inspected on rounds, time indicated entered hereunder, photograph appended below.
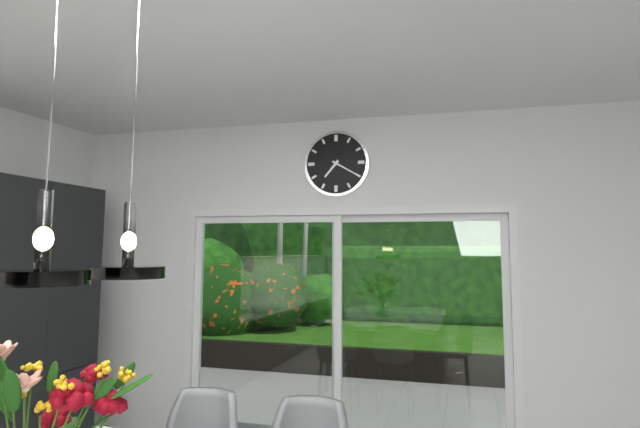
7:20
